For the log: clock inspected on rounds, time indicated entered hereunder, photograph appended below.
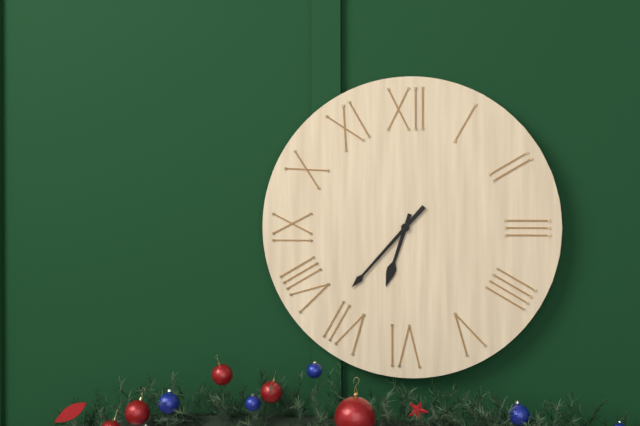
6:37
